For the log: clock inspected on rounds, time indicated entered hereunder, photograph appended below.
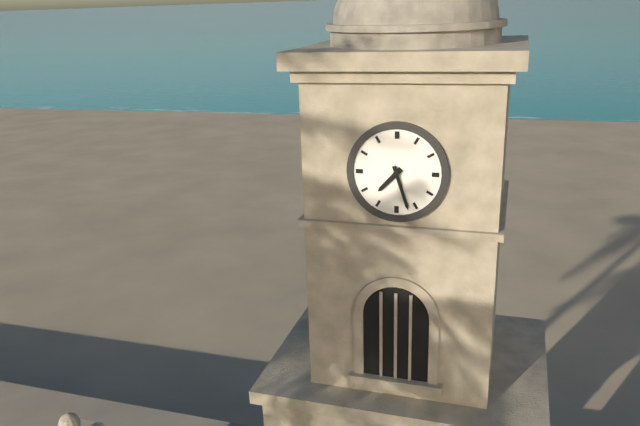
7:27
